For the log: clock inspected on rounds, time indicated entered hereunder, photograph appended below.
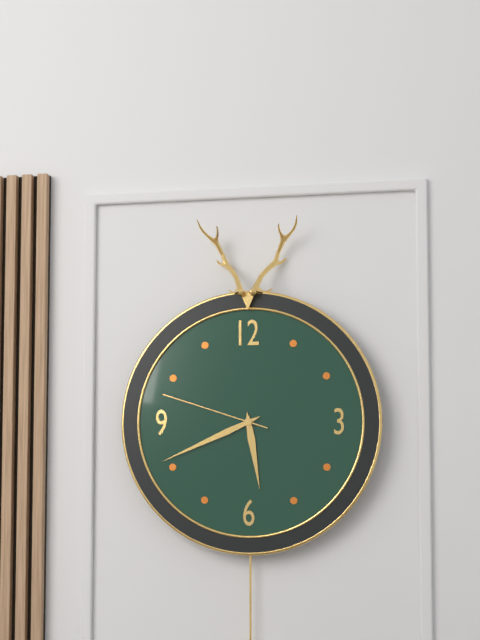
5:41:48
